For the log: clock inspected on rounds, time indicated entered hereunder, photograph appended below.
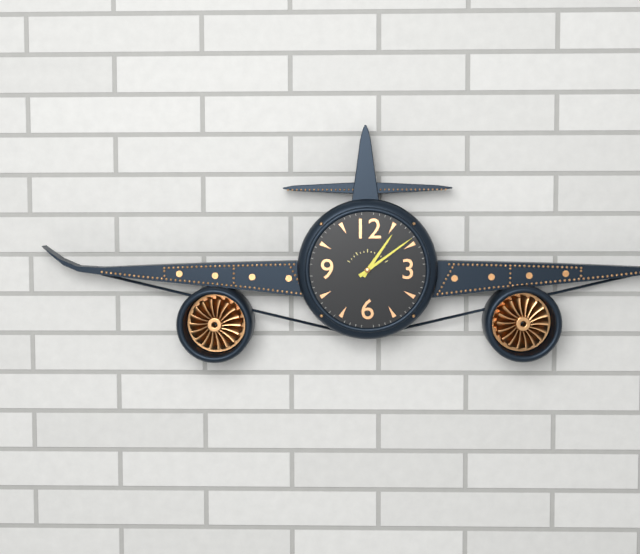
1:09
